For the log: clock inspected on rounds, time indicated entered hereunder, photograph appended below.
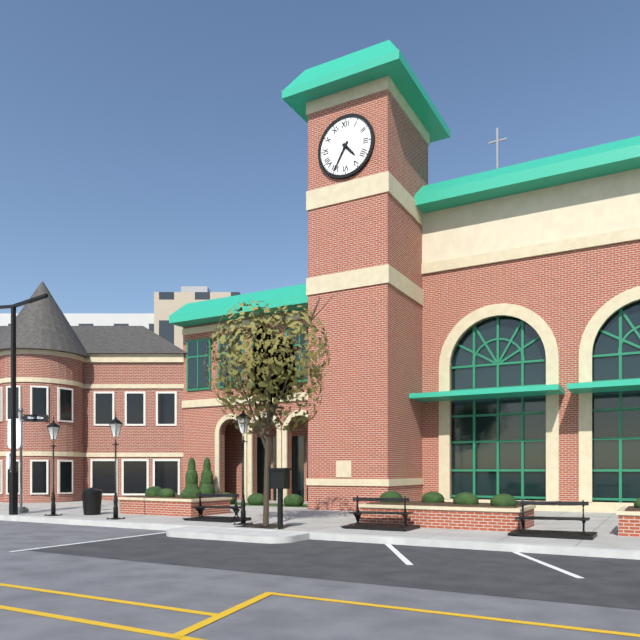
4:35
